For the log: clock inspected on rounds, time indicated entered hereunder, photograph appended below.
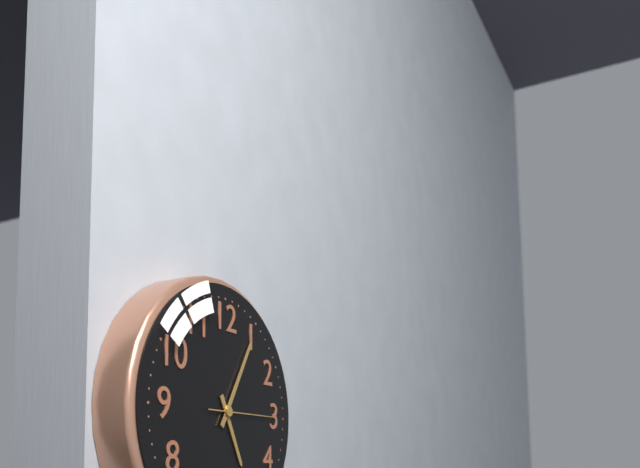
5:05:15
